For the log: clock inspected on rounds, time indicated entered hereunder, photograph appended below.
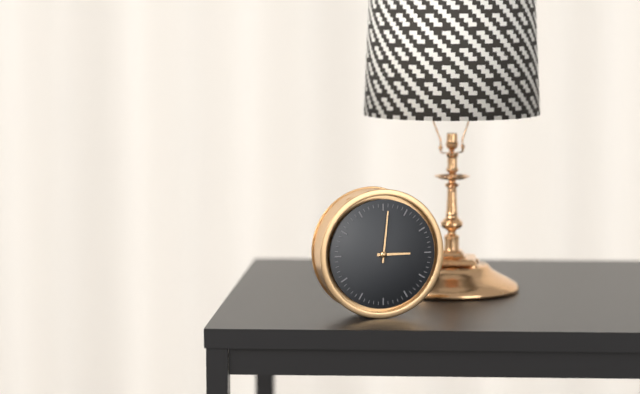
3:01
